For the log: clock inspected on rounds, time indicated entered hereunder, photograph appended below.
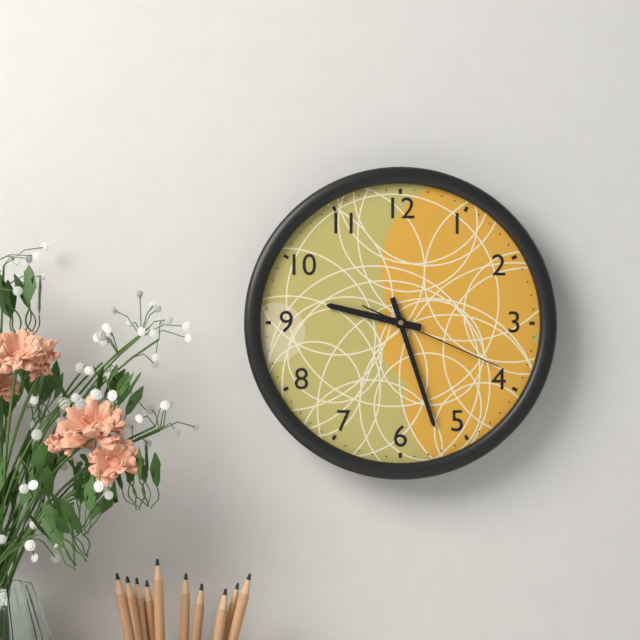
9:27:19
